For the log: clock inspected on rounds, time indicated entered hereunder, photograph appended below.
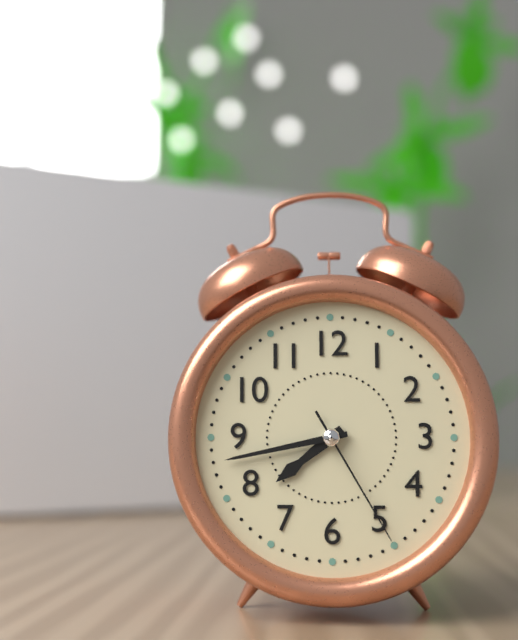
7:43:25
